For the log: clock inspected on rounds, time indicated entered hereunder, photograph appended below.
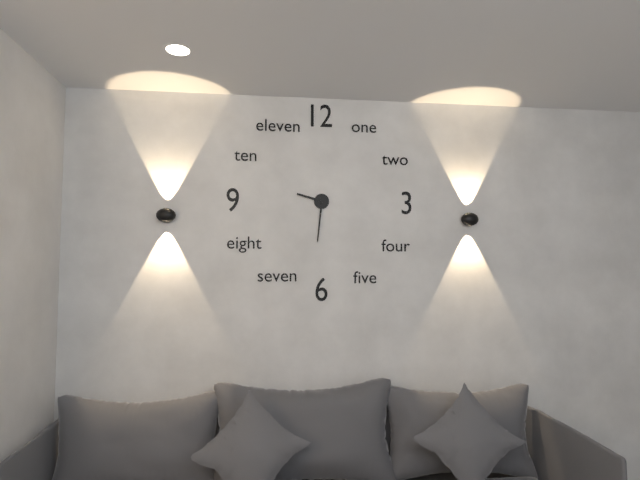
9:31
